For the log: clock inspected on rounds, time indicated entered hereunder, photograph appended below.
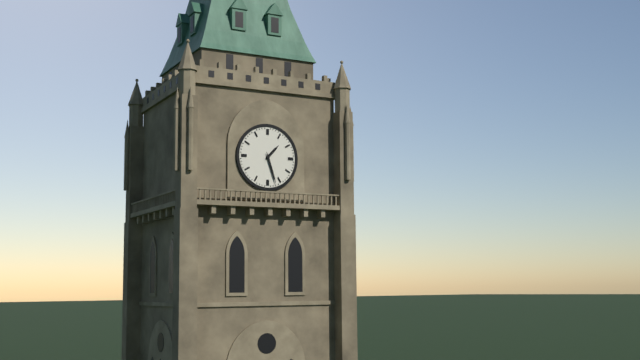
1:27
